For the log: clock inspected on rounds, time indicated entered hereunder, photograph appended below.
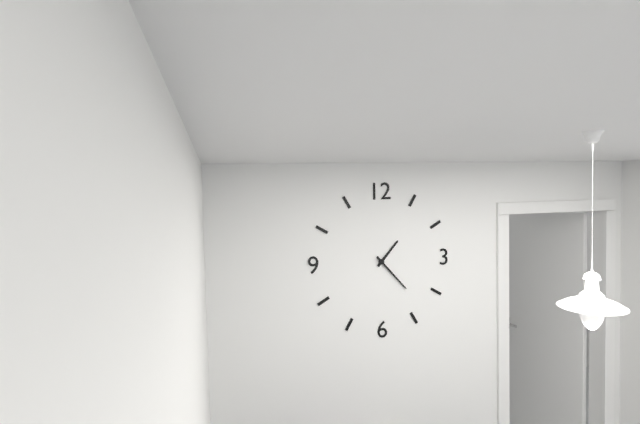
1:23
